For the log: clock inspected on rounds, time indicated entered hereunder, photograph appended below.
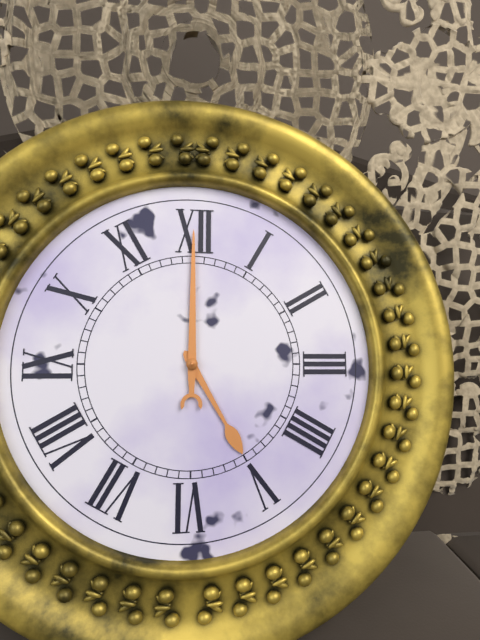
5:00
